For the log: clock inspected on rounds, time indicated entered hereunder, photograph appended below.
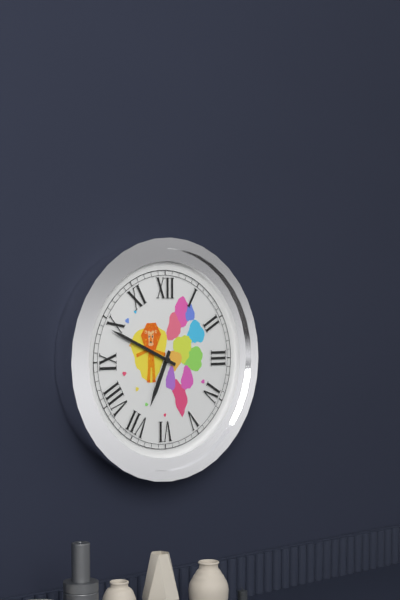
6:49
